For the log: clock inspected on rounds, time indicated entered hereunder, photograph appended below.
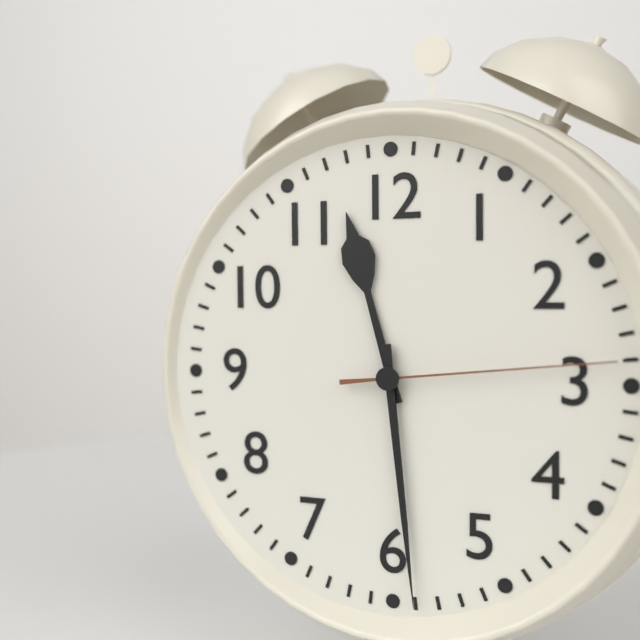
11:29:14
